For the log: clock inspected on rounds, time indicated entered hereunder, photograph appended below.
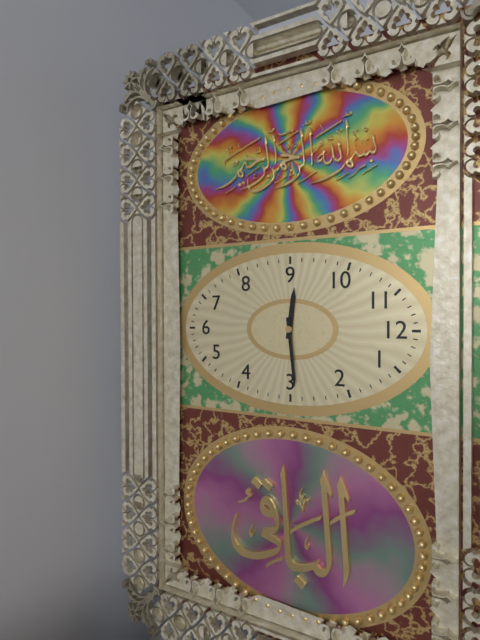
9:14
